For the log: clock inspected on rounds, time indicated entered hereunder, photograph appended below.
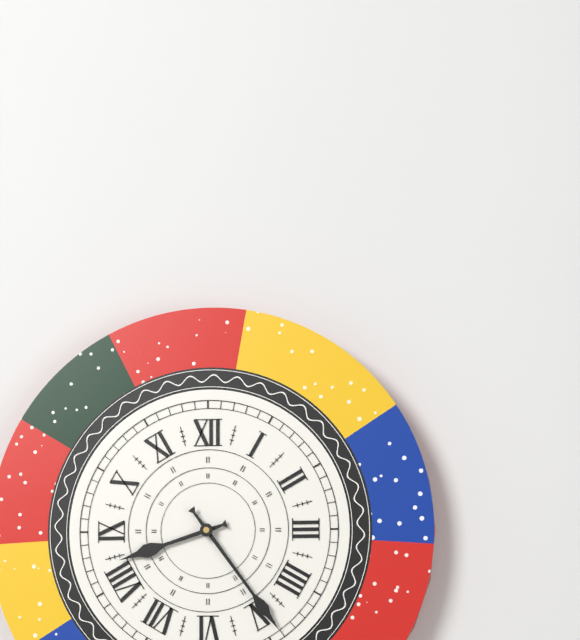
8:24
